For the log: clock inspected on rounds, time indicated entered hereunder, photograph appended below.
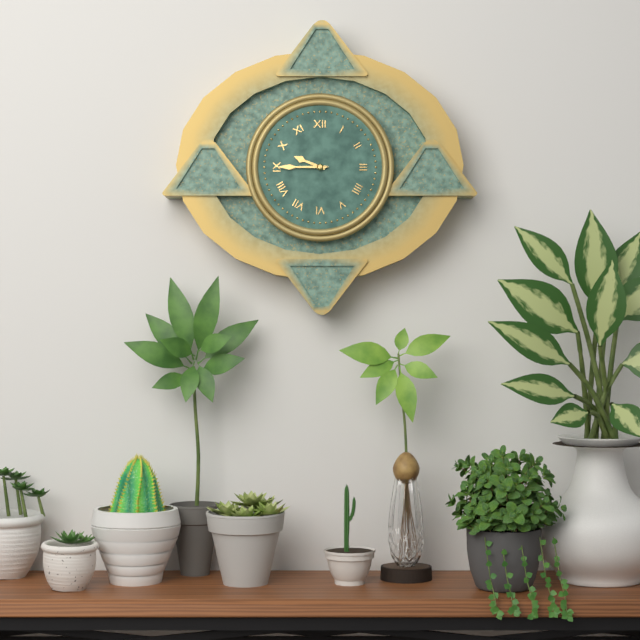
9:45
